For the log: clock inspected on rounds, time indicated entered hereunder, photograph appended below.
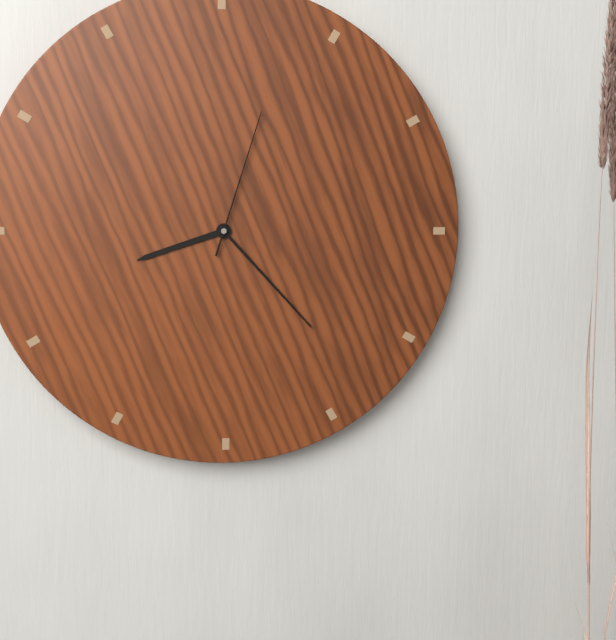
8:23:03
